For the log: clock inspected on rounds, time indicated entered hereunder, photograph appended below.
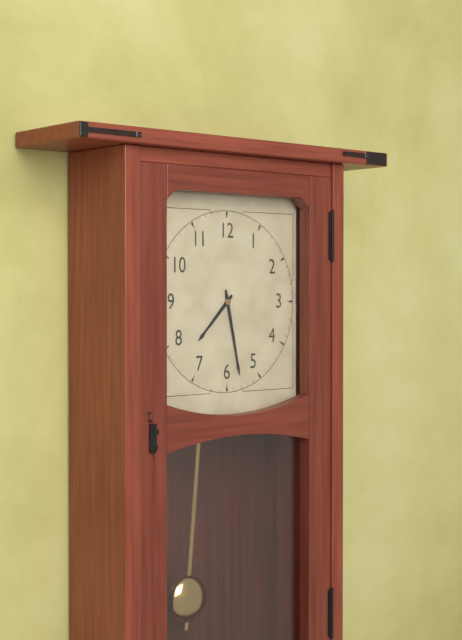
7:28
